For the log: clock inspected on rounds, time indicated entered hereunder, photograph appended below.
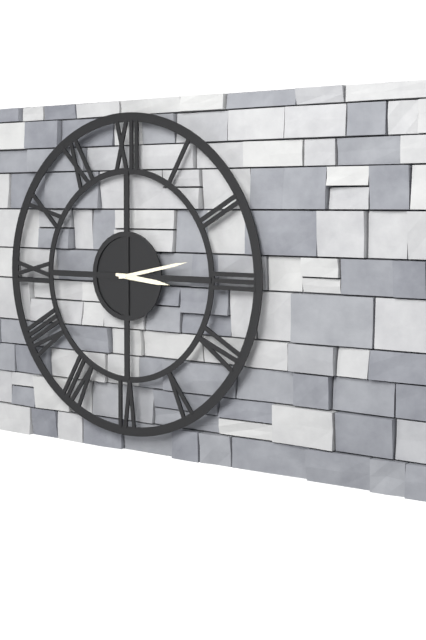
3:13
